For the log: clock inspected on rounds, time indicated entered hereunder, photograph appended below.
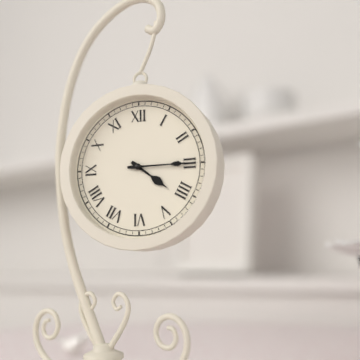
4:15
